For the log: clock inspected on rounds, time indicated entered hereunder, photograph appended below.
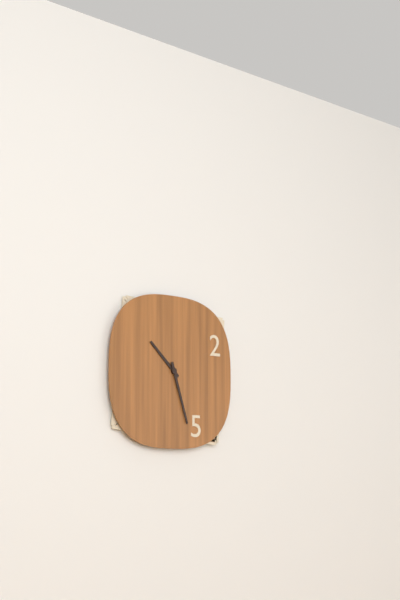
10:27
